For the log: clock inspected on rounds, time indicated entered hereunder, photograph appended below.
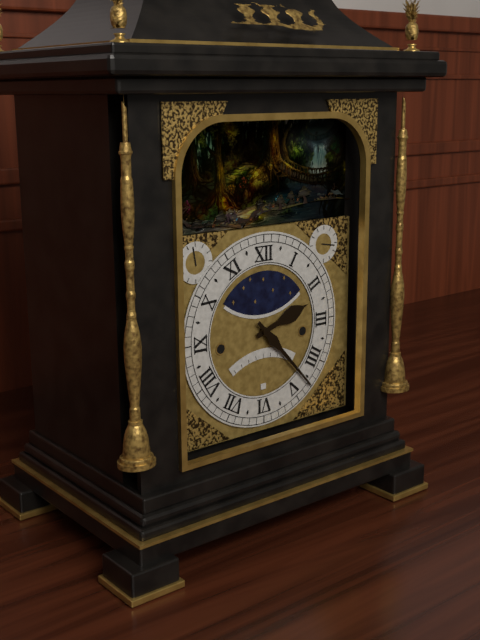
2:23
